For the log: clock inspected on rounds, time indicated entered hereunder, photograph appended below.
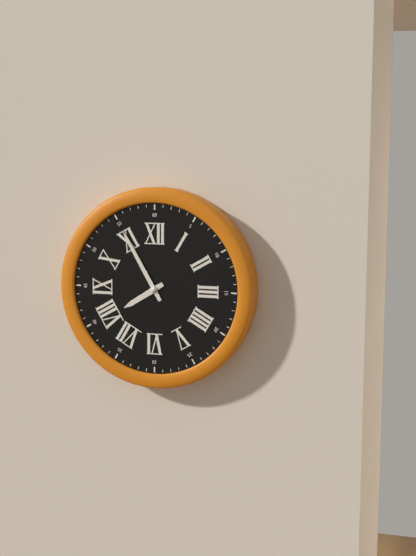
7:55
